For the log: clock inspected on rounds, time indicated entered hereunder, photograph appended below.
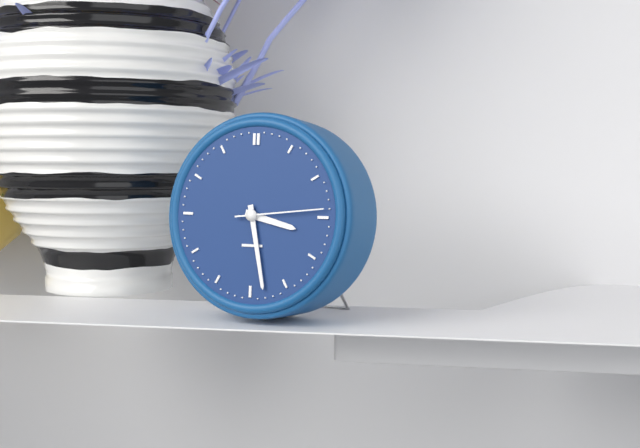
3:28:14
